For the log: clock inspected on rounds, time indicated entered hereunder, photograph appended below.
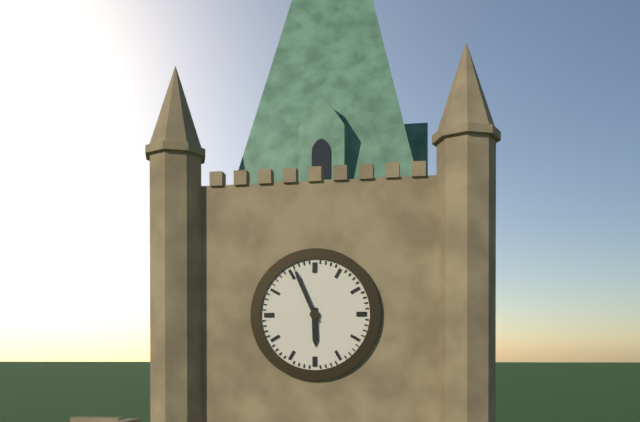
5:56
